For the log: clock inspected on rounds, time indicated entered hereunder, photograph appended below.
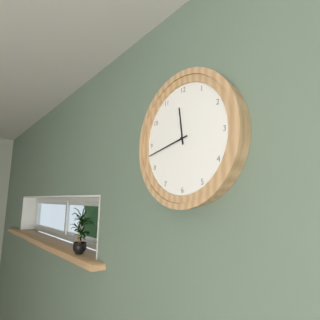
11:43
